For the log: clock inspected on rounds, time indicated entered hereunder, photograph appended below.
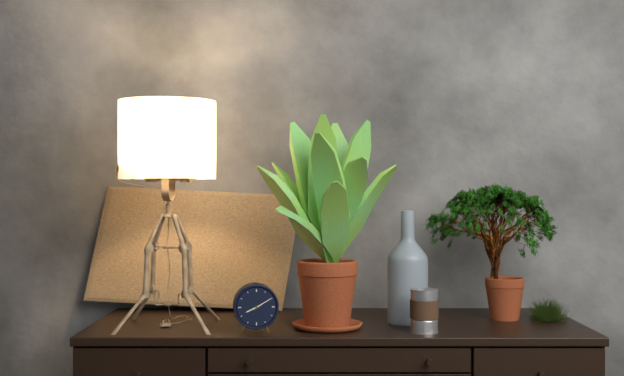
8:10
